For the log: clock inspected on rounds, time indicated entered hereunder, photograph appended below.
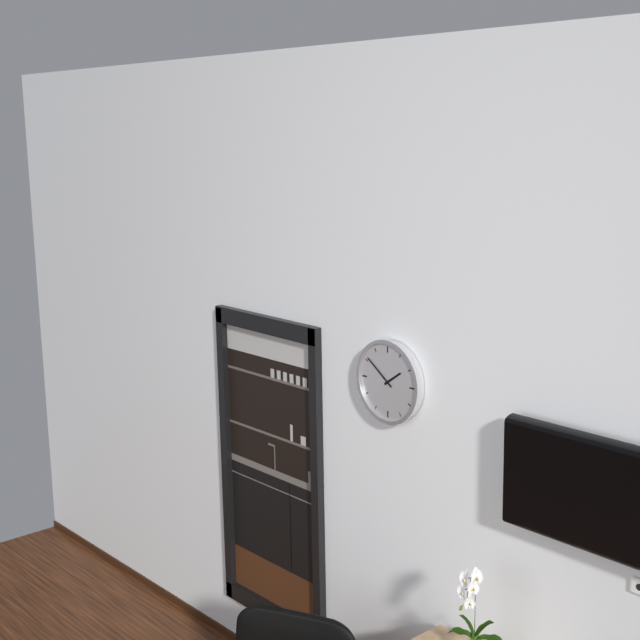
1:51
